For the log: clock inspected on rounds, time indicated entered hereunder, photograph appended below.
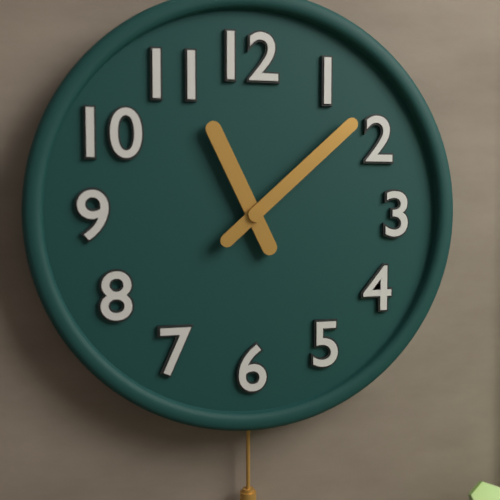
11:08
